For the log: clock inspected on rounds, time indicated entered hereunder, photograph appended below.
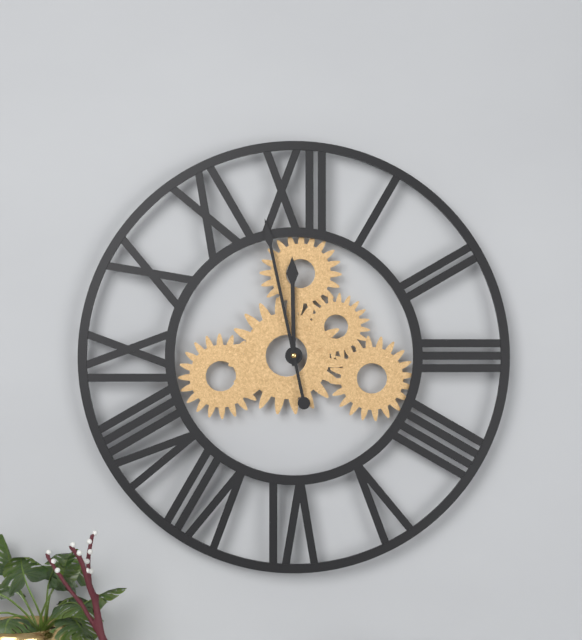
11:58
